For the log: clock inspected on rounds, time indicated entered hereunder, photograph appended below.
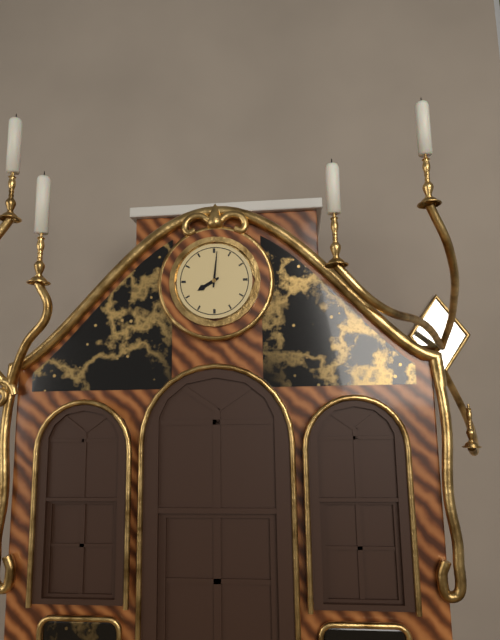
8:01
